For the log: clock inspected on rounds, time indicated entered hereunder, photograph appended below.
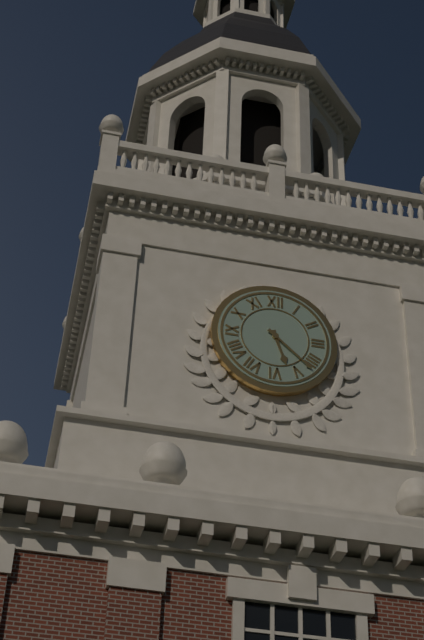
5:22
